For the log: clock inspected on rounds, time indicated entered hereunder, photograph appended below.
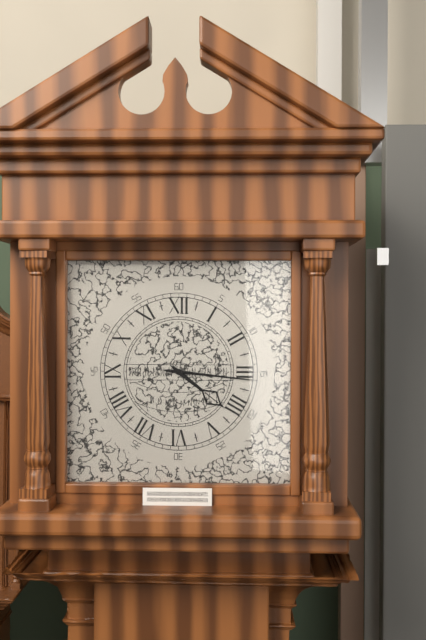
4:16
